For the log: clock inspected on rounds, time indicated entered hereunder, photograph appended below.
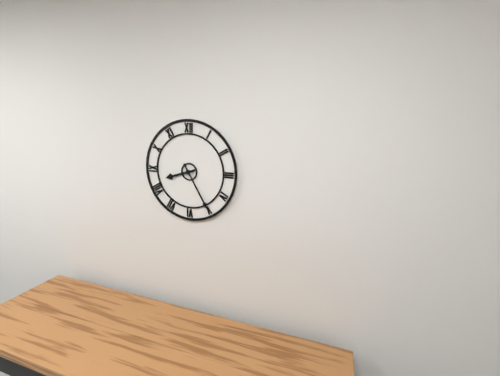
8:25
